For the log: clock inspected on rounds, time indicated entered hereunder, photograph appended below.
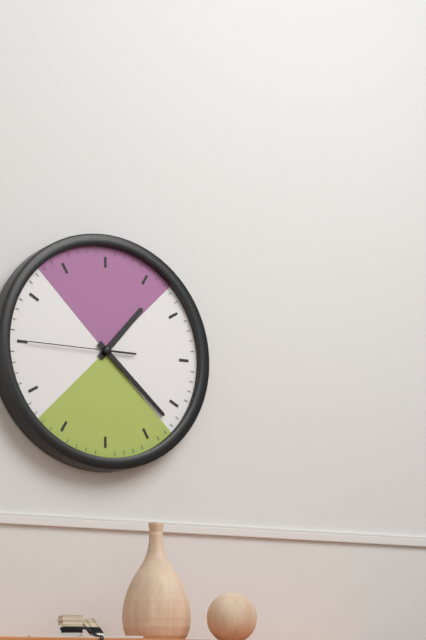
1:22:45
